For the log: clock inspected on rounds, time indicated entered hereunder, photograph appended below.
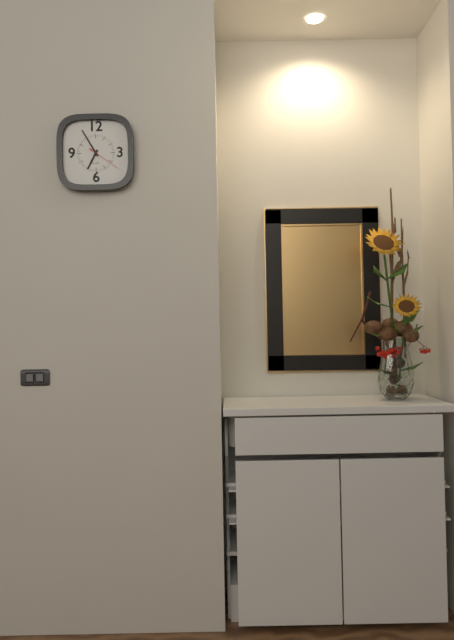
6:55
